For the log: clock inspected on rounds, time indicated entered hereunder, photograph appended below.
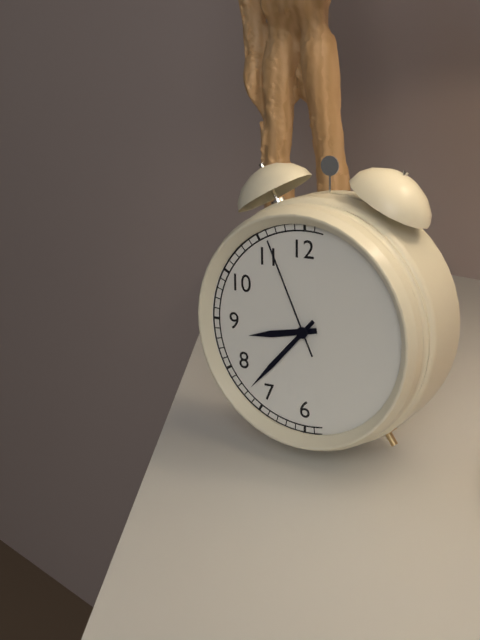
8:37:56
